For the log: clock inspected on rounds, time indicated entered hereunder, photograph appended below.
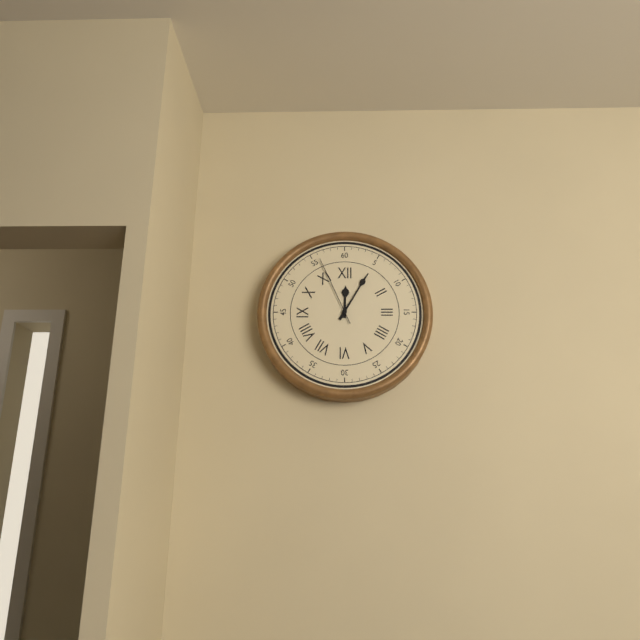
12:05:56
